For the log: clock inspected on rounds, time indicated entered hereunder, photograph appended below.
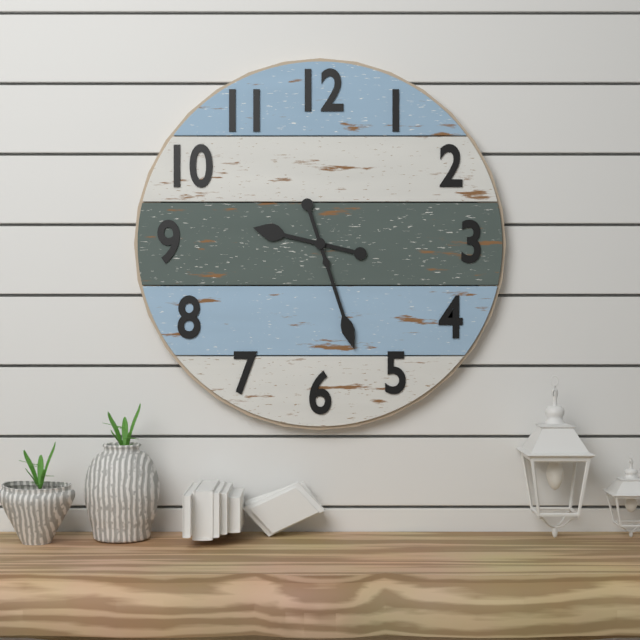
9:27
